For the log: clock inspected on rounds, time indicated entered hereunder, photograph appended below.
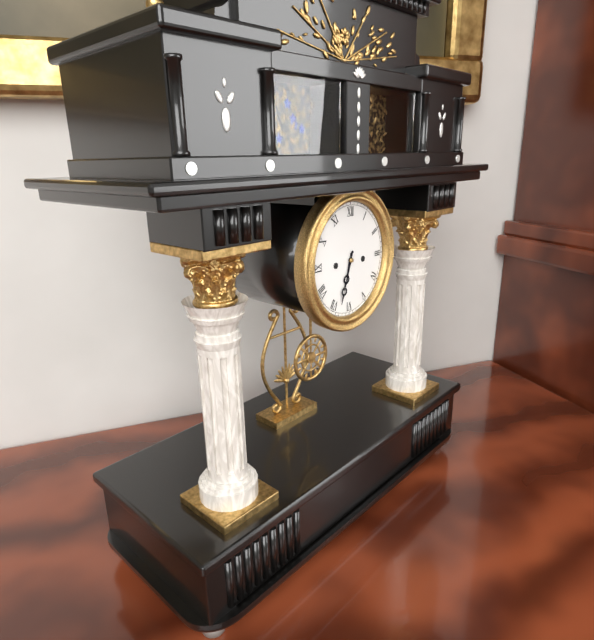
6:33
